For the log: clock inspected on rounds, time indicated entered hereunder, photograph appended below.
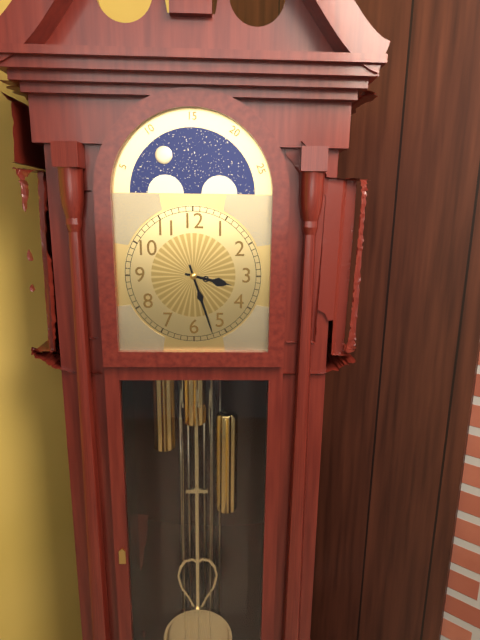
3:27
